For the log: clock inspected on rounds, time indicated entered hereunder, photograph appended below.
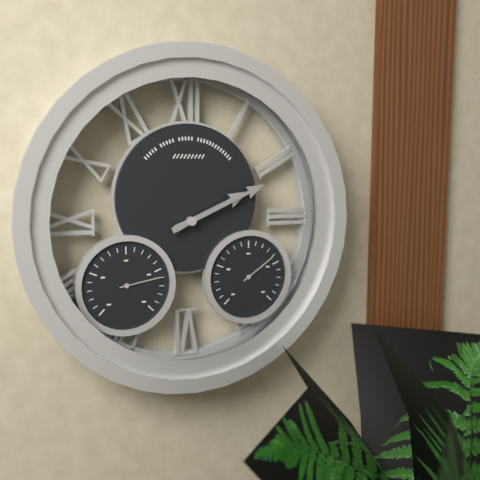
2:11
